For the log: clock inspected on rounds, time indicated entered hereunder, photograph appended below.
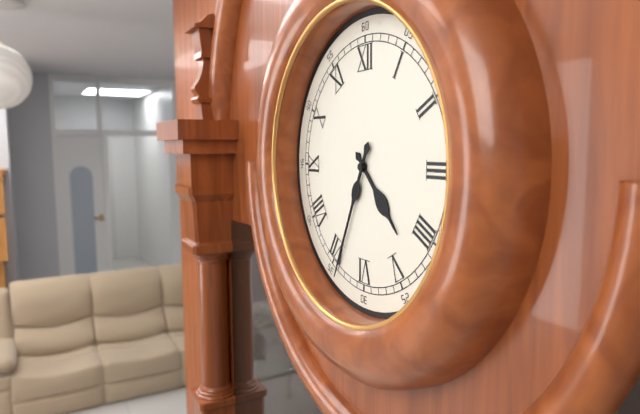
4:34
